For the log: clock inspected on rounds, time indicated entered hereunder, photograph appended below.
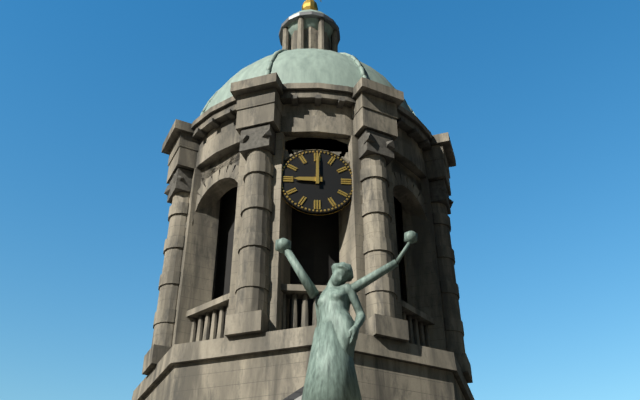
9:00
